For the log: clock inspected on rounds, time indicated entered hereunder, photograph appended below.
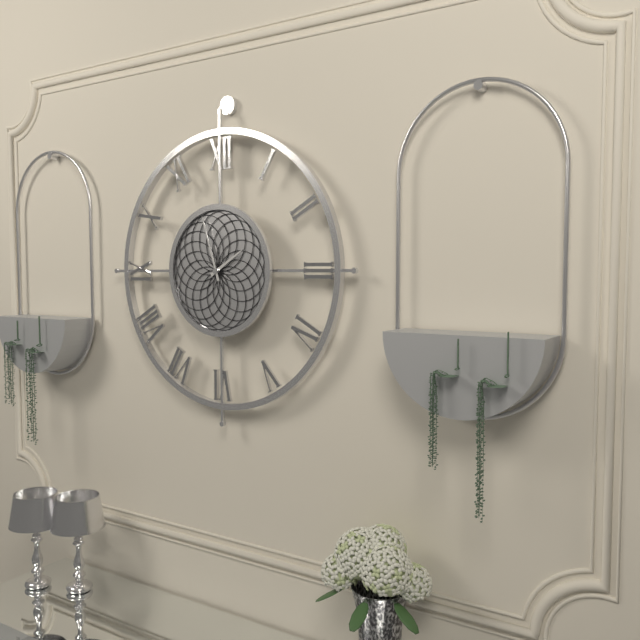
1:57
